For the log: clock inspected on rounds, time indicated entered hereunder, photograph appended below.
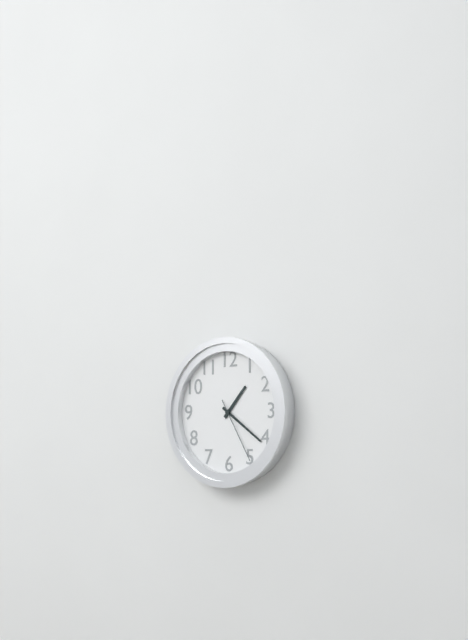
1:21:25
